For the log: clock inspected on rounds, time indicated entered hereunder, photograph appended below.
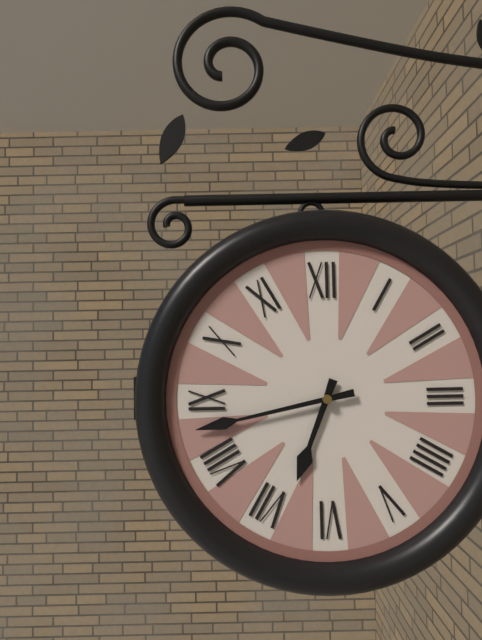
6:43
